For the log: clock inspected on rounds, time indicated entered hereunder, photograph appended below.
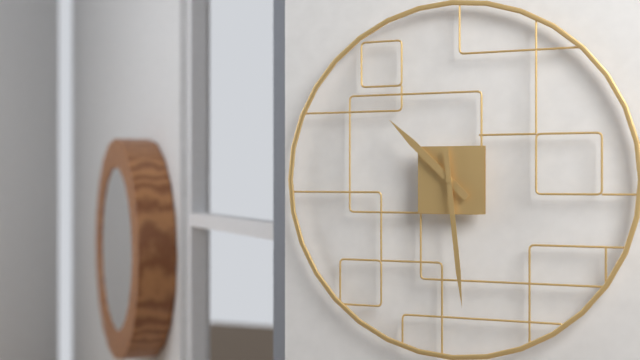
10:29
